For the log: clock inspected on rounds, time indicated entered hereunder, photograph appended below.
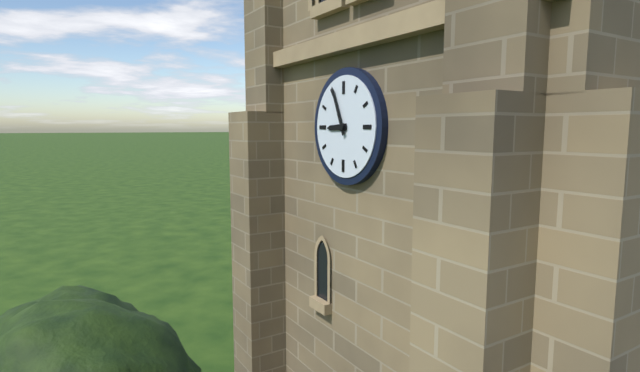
8:56
